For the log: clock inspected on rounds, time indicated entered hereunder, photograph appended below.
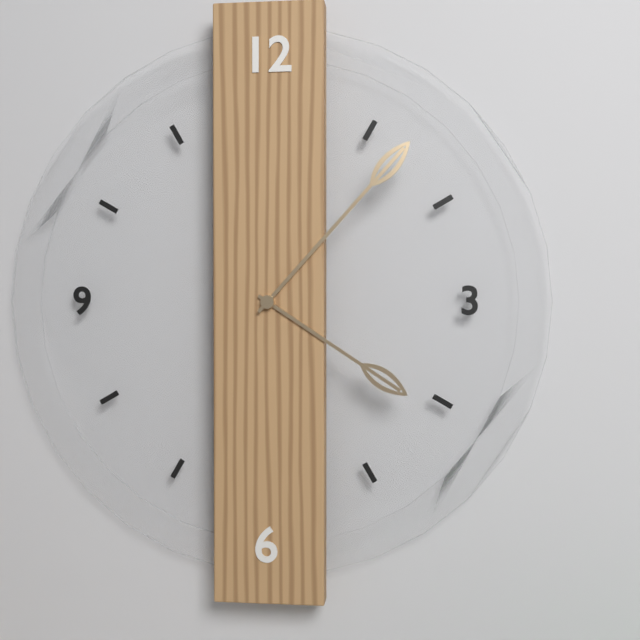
4:07
